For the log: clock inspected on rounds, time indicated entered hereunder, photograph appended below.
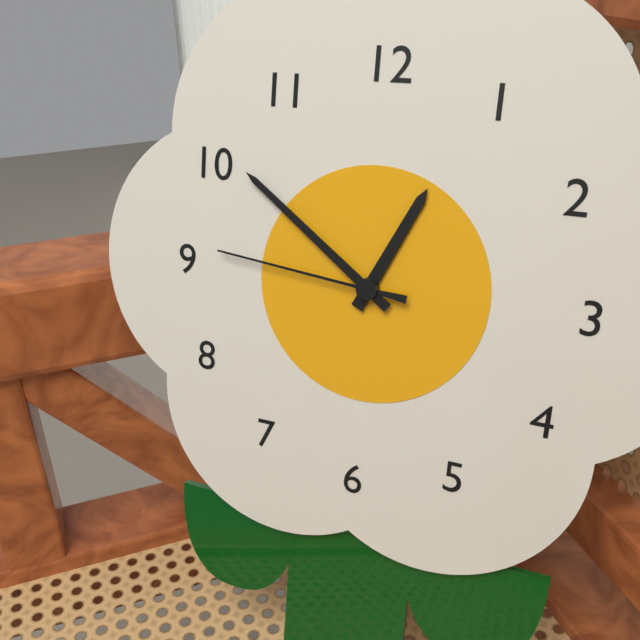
12:51:46
